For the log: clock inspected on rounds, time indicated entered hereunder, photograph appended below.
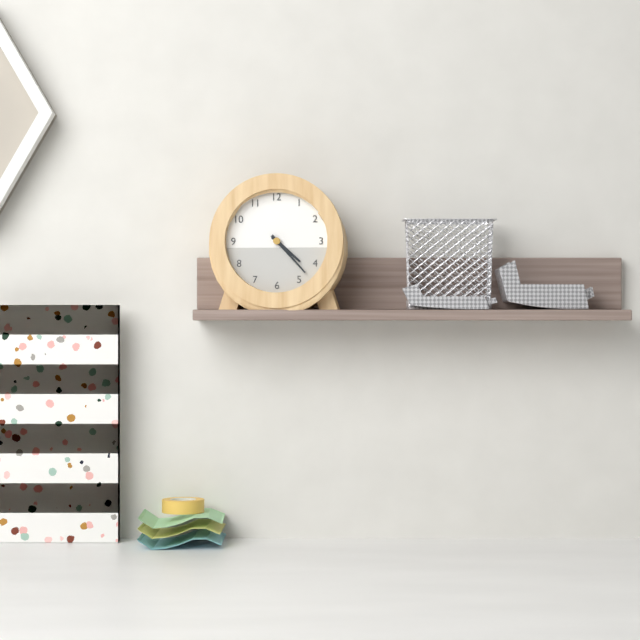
4:23
